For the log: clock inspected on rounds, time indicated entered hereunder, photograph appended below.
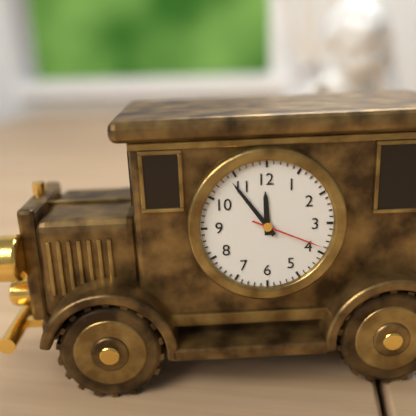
11:54:19
